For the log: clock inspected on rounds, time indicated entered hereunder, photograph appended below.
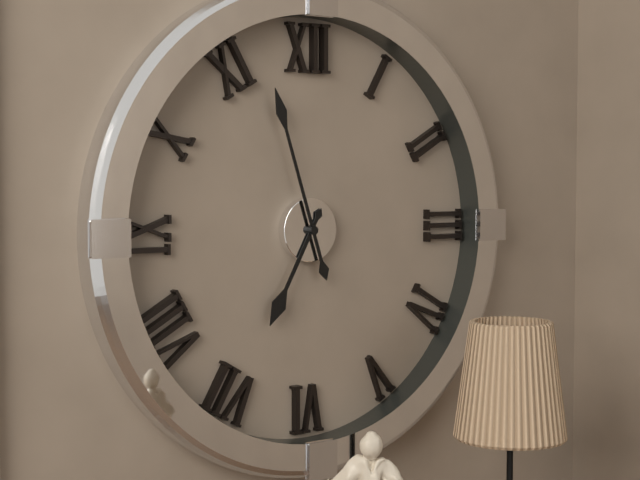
6:57
